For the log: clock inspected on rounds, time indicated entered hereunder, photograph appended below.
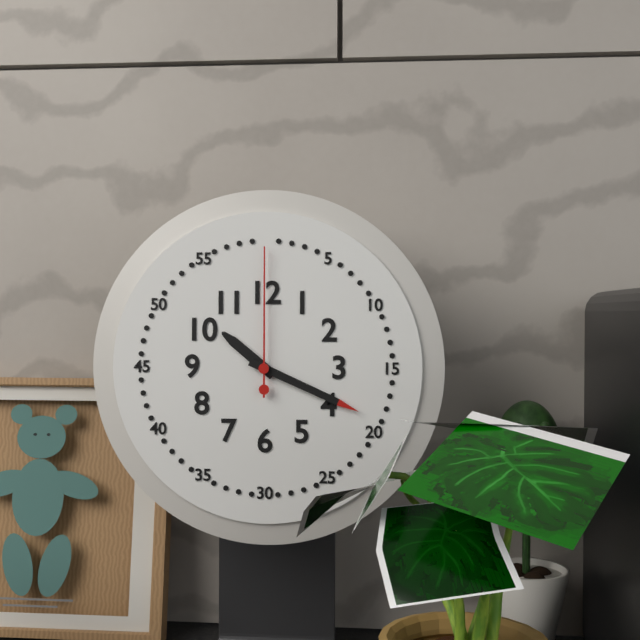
10:19:00
